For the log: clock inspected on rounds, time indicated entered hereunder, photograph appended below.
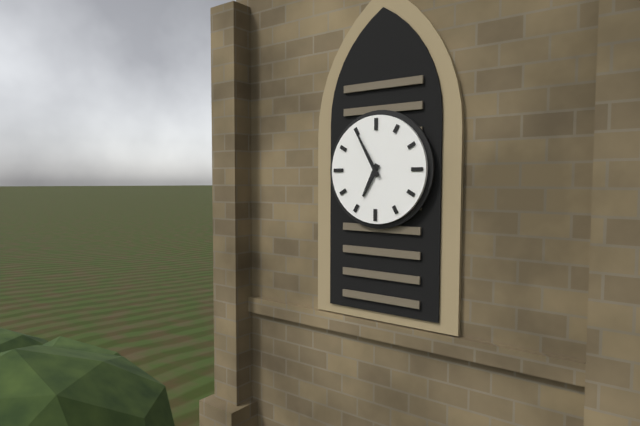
6:55
